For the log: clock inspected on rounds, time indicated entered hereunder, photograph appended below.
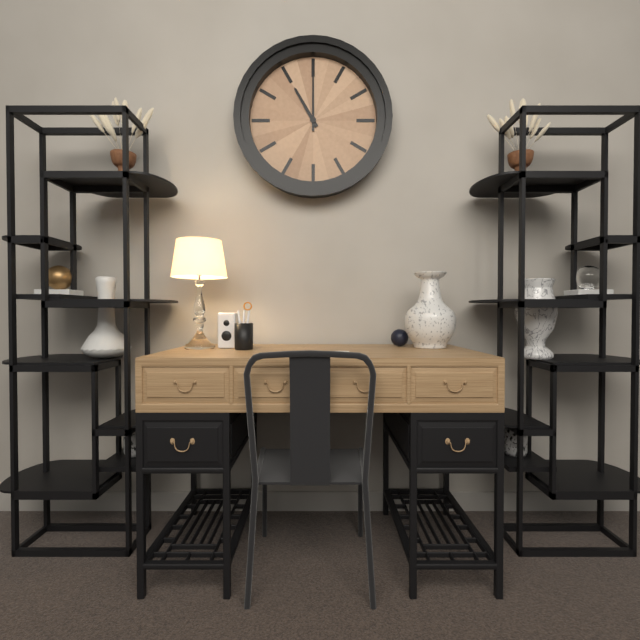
11:00
